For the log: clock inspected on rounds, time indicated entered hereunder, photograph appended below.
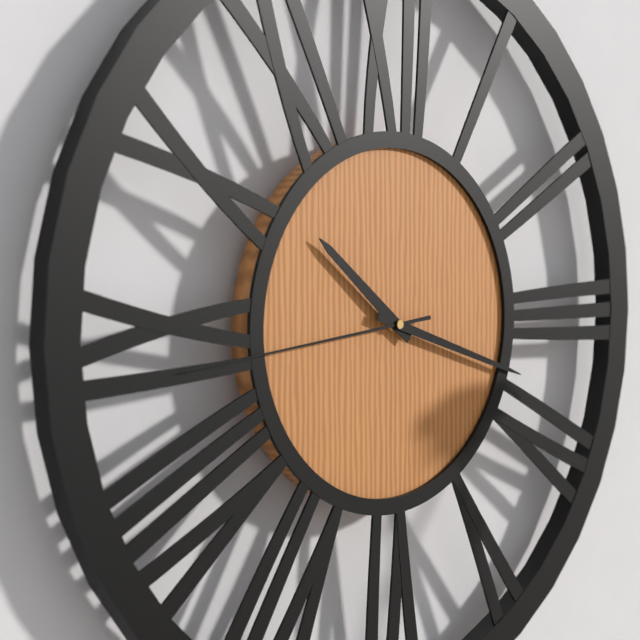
10:18:44
